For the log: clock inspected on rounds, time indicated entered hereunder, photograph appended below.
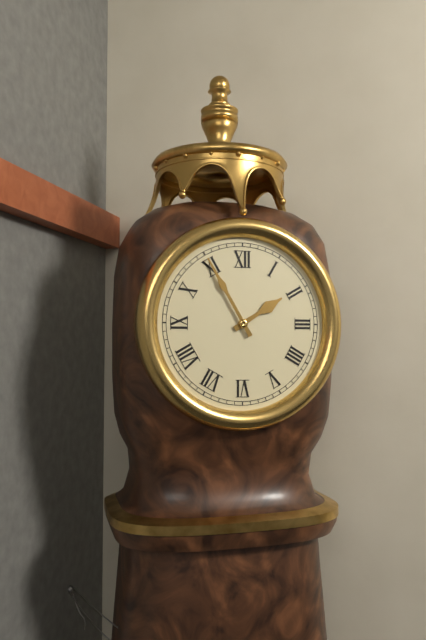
1:55
